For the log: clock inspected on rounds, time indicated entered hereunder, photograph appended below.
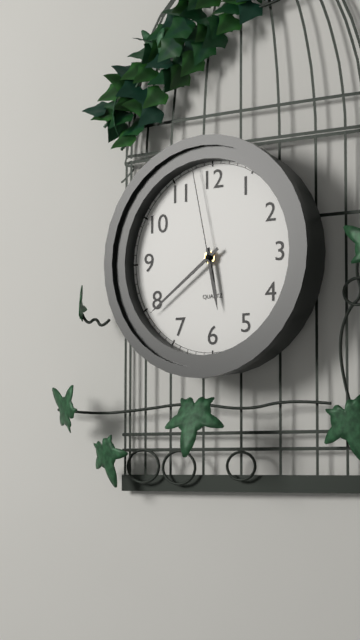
5:39:58
